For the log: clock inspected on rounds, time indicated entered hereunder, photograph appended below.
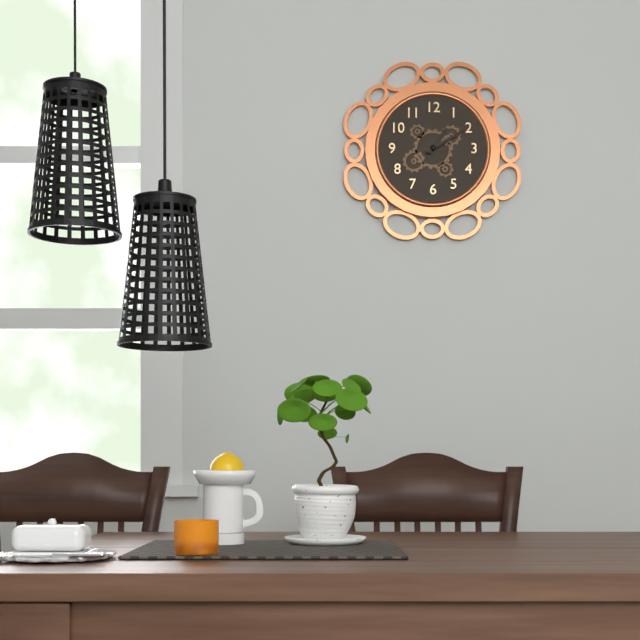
1:10
